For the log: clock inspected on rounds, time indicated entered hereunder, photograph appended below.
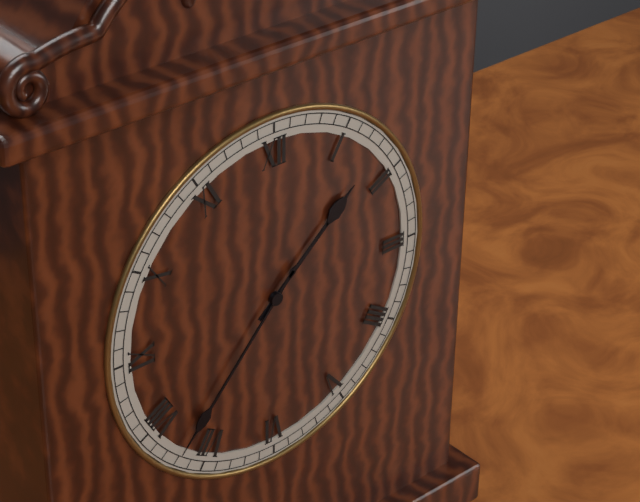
1:37
